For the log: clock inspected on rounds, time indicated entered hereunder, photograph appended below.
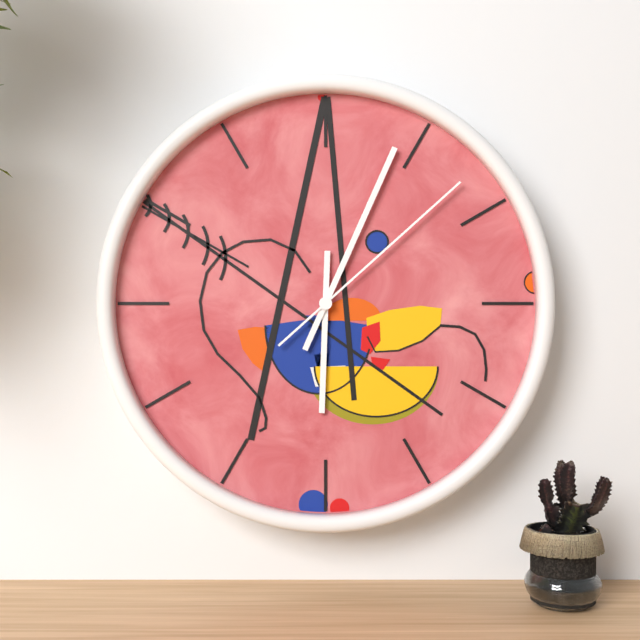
6:04:08
